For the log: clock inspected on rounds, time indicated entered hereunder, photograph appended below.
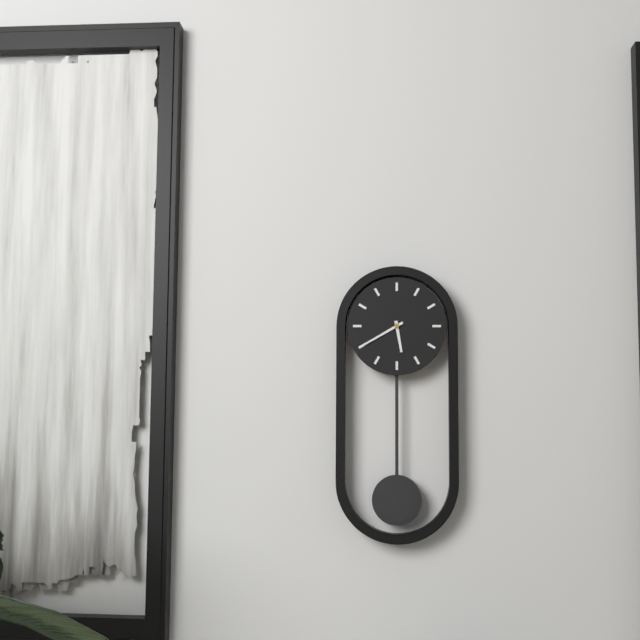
5:40
